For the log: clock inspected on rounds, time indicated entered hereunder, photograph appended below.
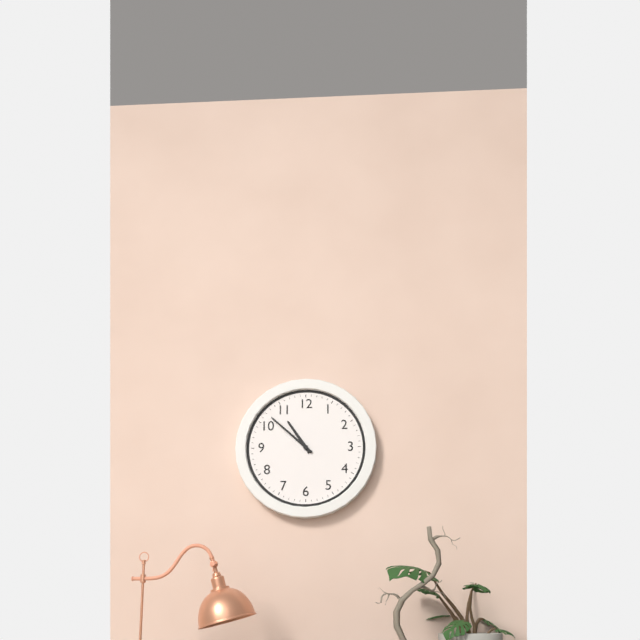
10:52
